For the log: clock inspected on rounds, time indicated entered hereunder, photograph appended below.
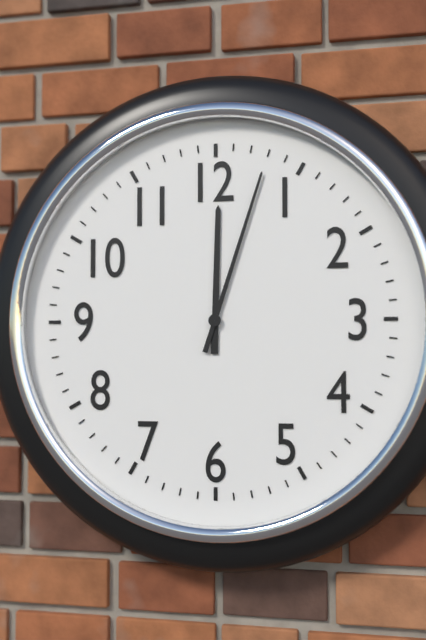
12:03
